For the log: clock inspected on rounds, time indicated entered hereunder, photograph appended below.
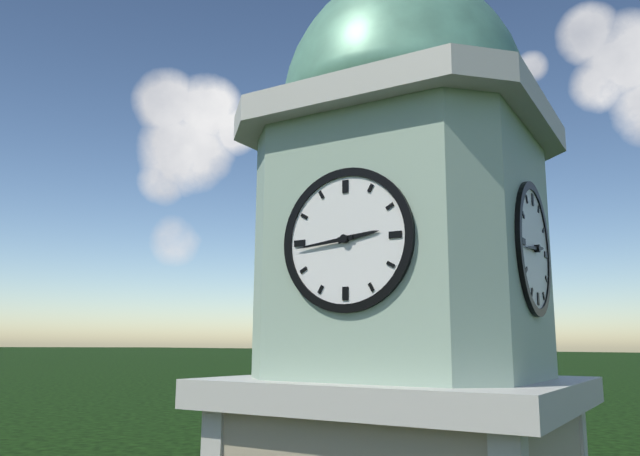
2:44
